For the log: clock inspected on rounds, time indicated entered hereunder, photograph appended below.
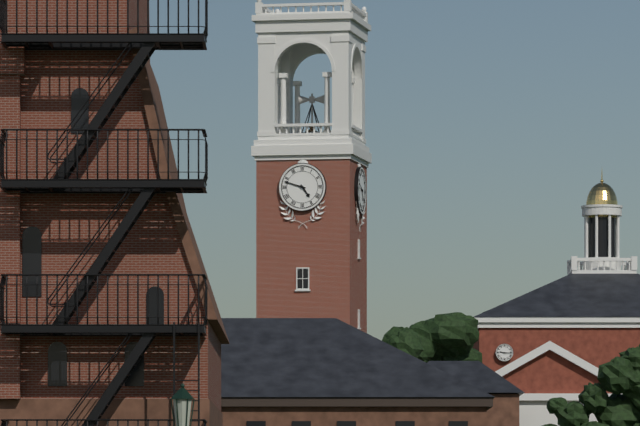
4:48
